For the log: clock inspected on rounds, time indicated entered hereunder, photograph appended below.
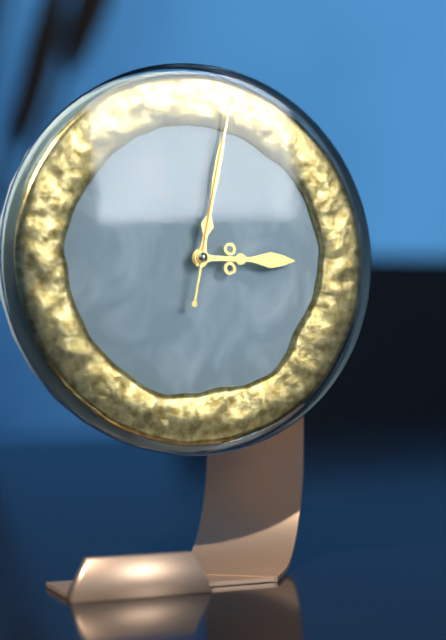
3:02:02
